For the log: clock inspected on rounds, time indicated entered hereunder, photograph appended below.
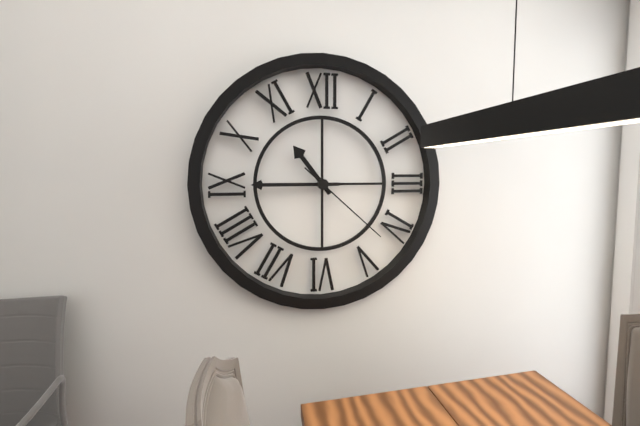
10:45:22
